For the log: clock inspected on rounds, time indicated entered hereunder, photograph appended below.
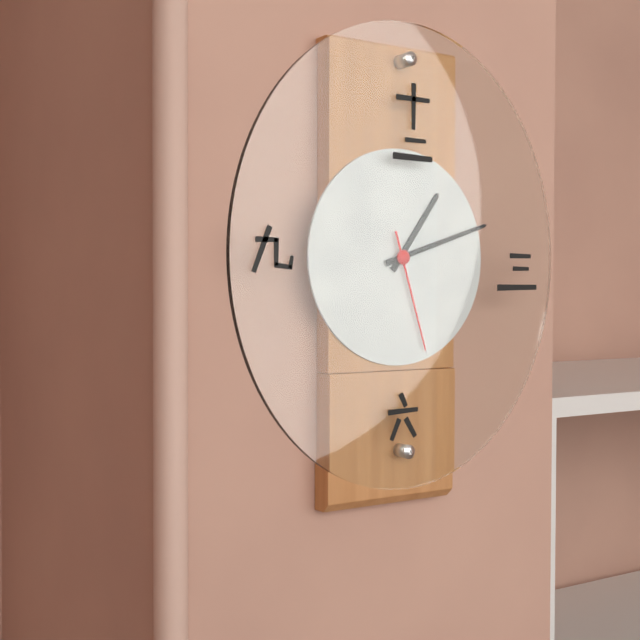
1:12:27
